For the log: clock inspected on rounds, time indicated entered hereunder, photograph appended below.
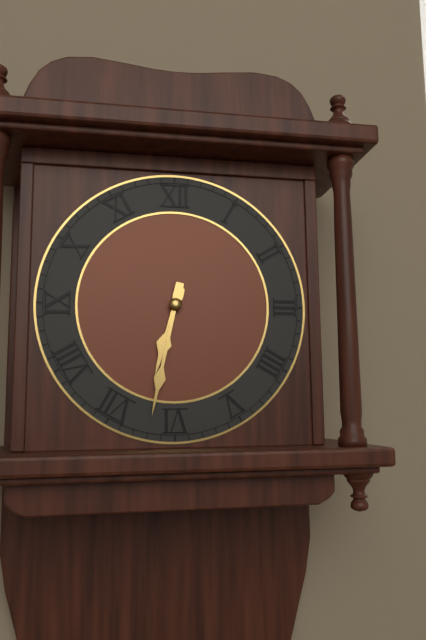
6:32
